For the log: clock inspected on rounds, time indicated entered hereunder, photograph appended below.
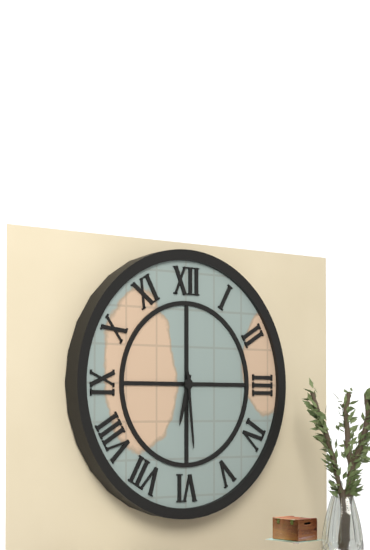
6:29
